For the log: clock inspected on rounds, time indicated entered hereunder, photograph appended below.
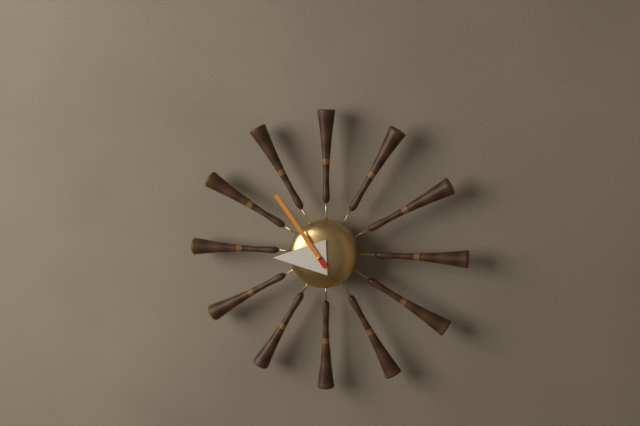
8:54
